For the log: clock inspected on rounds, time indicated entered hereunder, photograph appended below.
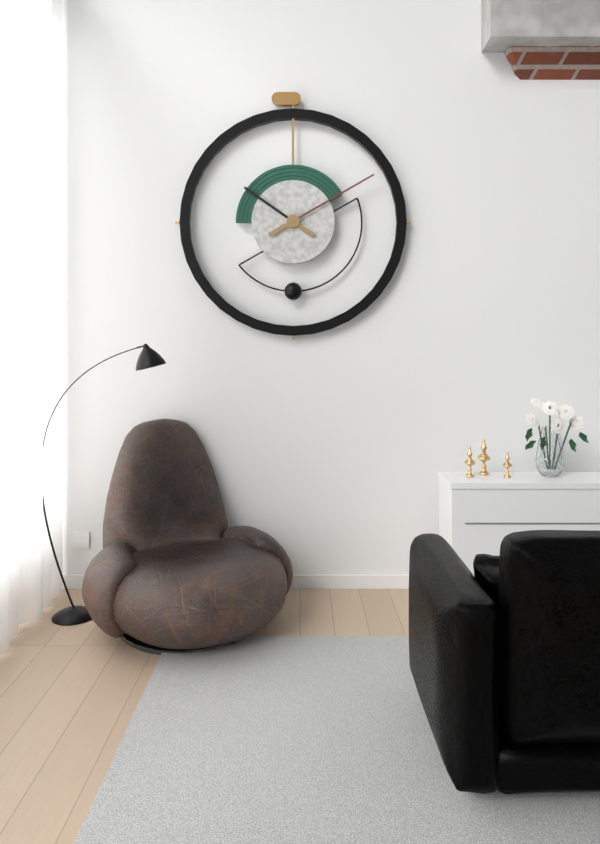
10:10
